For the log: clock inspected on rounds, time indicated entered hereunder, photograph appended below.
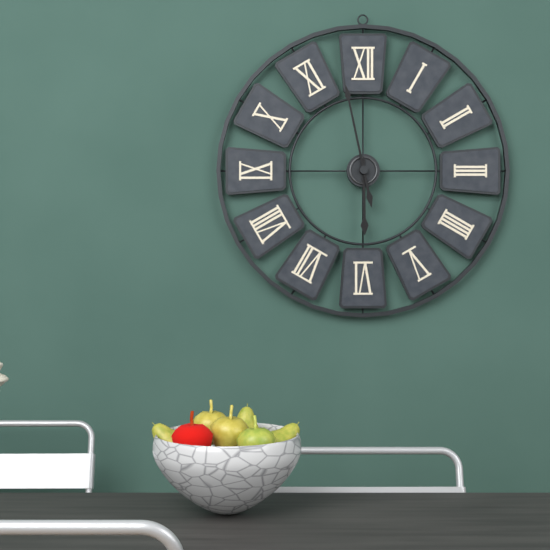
5:58
